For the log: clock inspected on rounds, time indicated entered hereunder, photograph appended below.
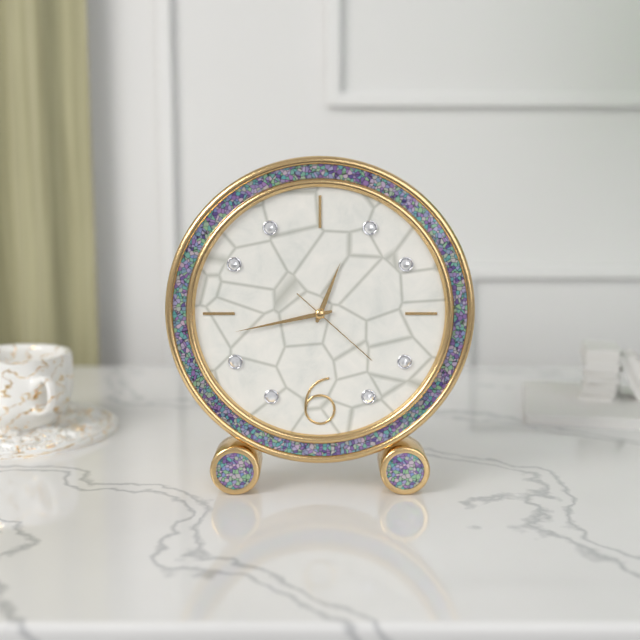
12:43:22
